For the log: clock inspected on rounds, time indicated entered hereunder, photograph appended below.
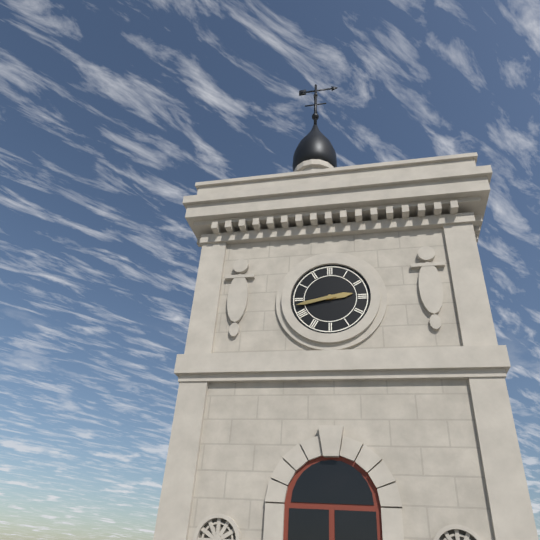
2:43
